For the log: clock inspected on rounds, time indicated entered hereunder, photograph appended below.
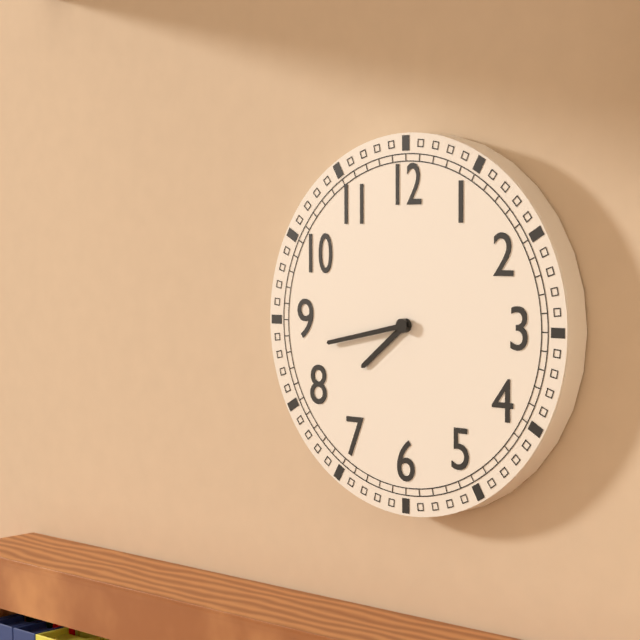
7:43
